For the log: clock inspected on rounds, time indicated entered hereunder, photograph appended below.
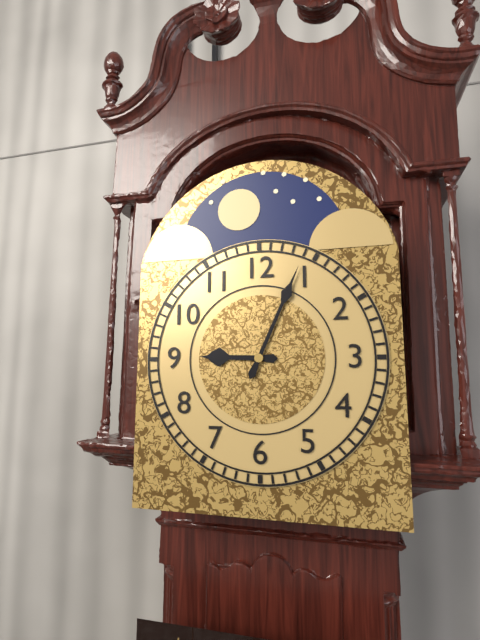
9:04
